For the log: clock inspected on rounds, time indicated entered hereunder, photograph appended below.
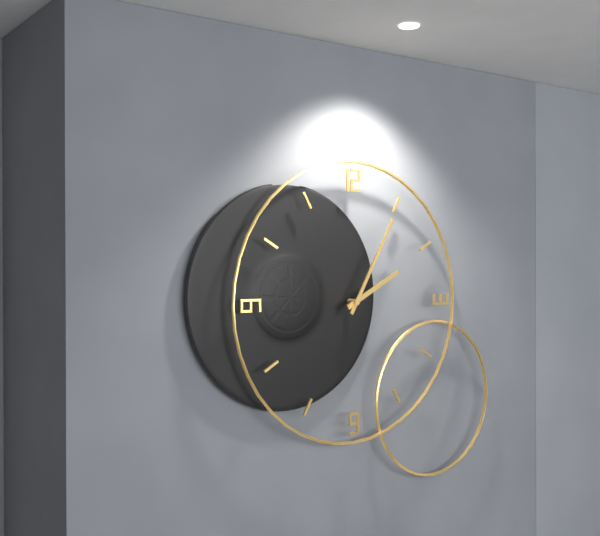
2:05
